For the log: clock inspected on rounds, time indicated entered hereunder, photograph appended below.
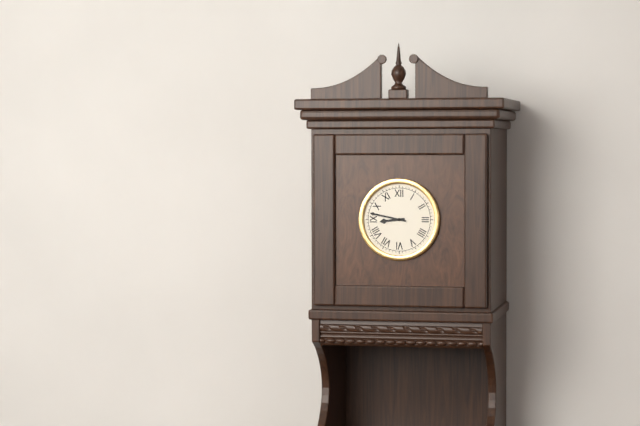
8:47
